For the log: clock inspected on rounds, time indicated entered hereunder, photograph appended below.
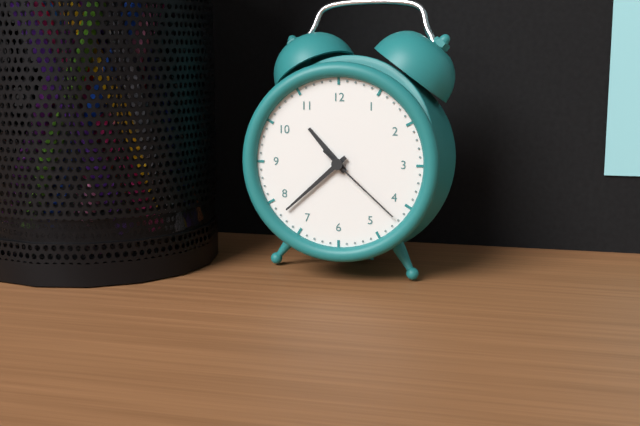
10:38:22
